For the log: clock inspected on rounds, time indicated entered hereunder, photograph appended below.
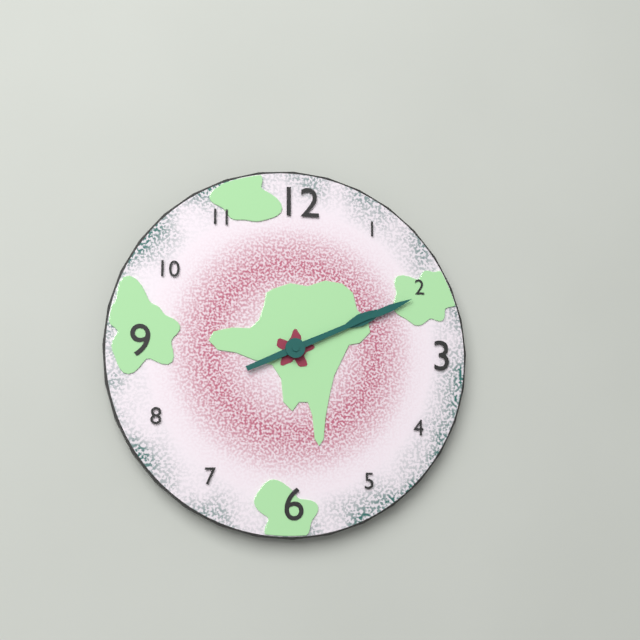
2:11
